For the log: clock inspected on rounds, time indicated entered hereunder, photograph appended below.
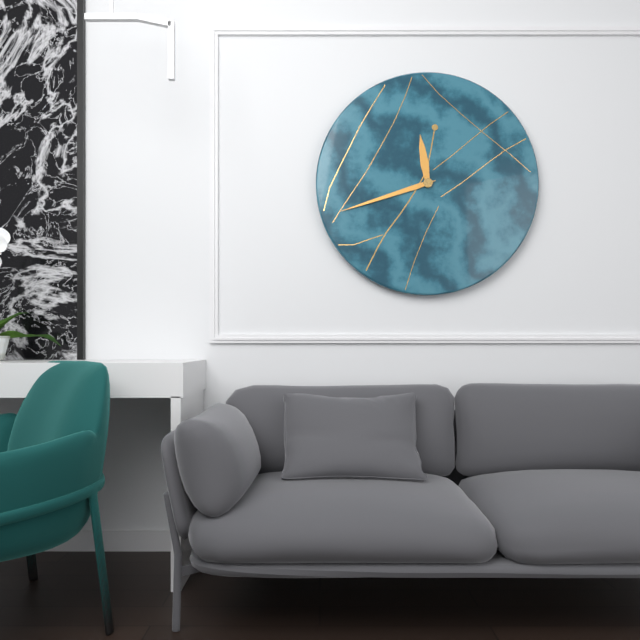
11:42
